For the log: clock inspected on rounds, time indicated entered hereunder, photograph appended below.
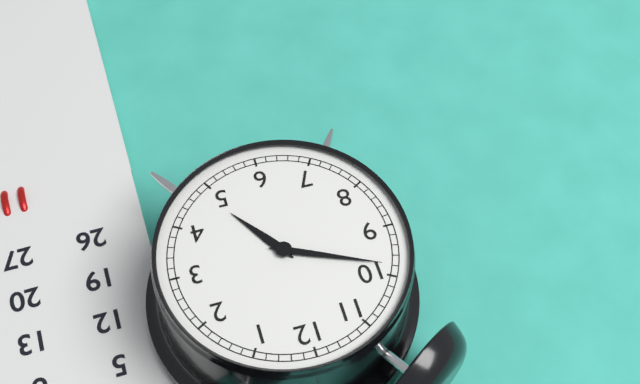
4:49
